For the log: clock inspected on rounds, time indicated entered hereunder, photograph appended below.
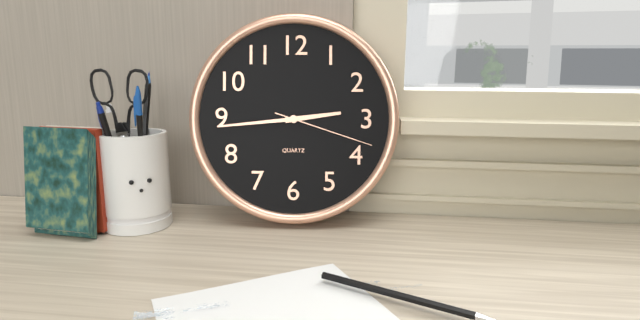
2:44:18
